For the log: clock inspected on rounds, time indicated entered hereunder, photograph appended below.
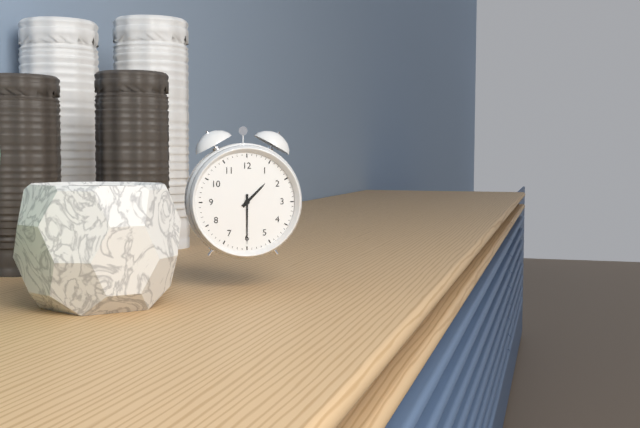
1:30
